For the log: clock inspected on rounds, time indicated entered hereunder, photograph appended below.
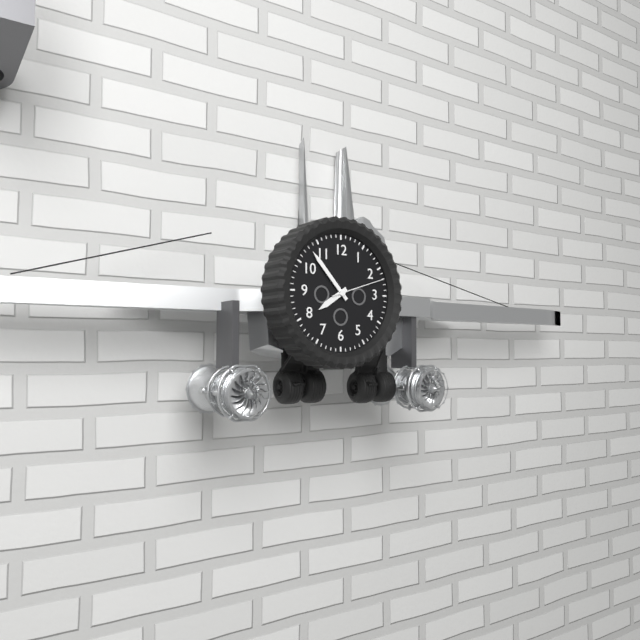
7:53:12
